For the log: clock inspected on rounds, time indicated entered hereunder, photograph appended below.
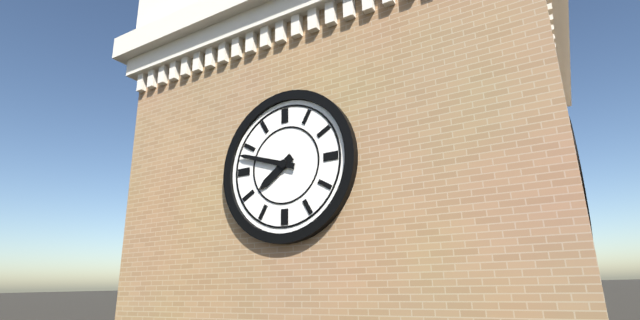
7:48
